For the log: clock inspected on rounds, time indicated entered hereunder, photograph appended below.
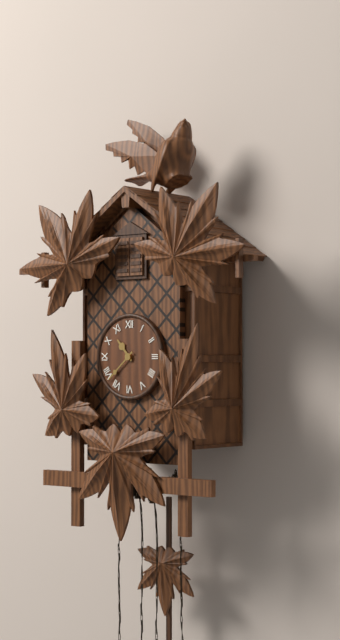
10:38
